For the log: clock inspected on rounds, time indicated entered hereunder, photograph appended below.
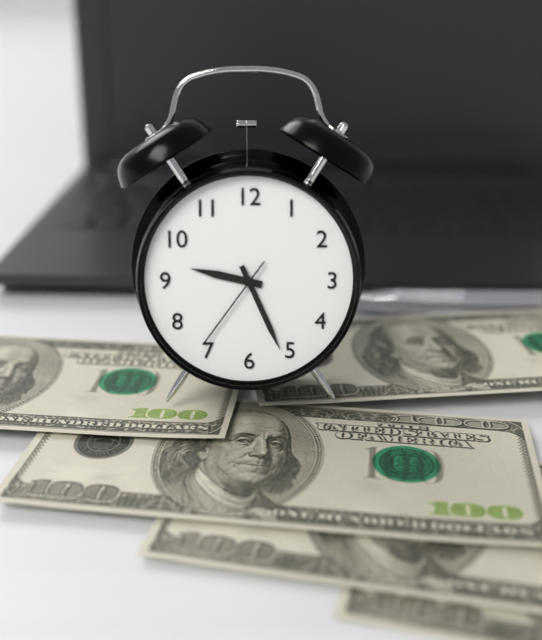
9:26:36
